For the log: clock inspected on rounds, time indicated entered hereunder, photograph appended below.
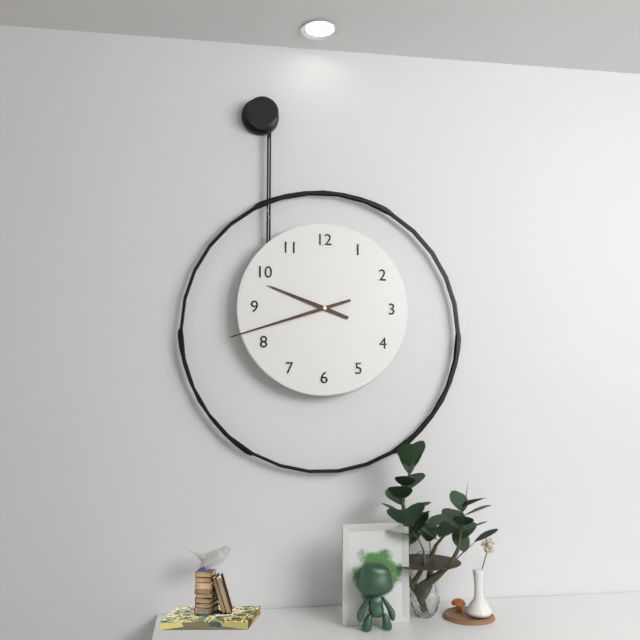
9:42
